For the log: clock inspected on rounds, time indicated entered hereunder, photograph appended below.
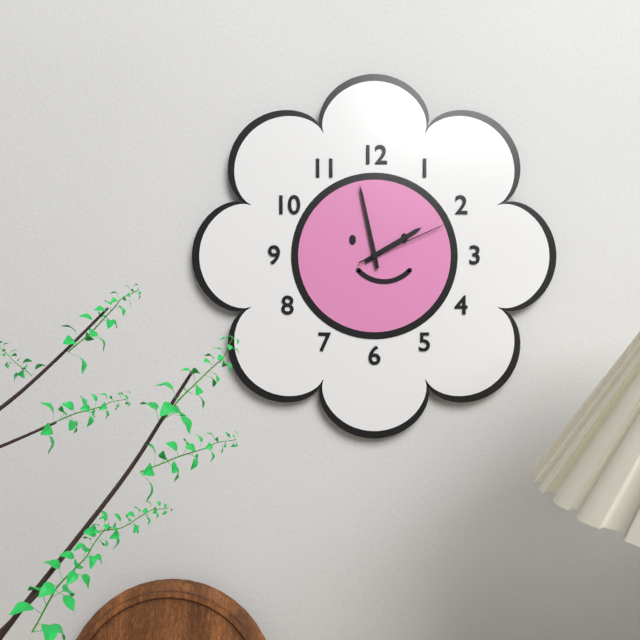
1:58:11
